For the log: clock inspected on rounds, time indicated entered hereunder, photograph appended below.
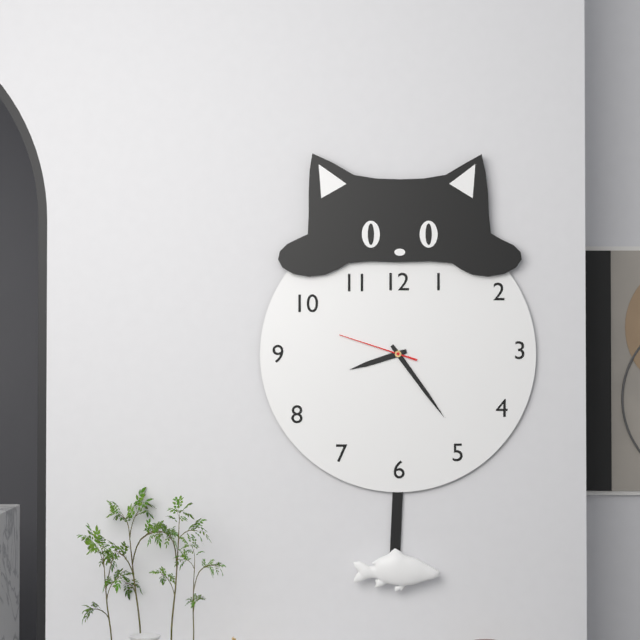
8:24:48
